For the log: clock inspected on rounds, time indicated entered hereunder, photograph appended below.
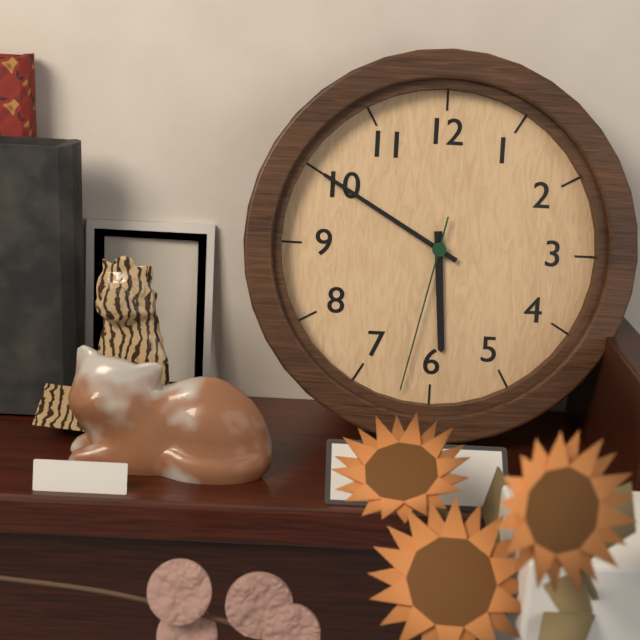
5:50:32
